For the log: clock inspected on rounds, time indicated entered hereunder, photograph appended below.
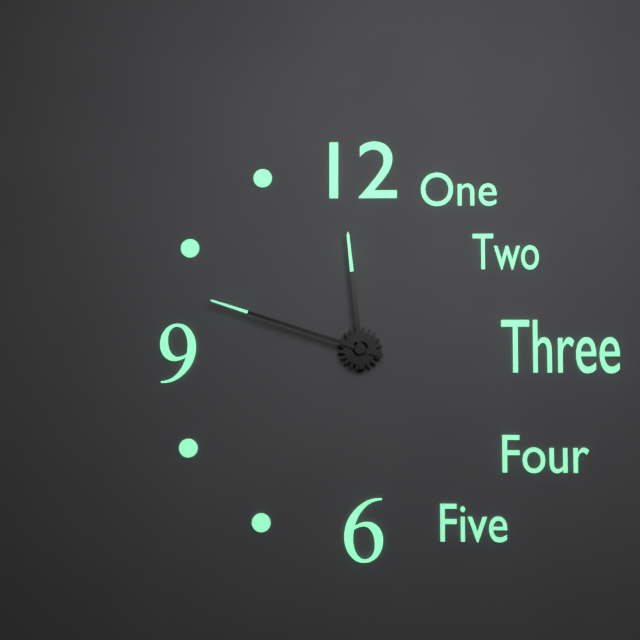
11:48
